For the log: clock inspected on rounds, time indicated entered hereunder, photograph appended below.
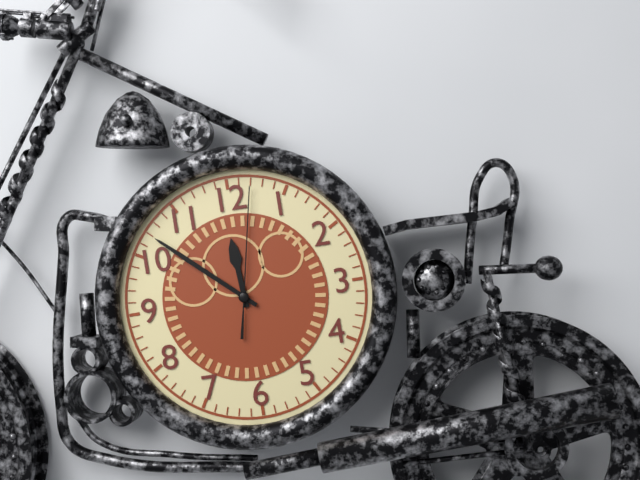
11:52:02
